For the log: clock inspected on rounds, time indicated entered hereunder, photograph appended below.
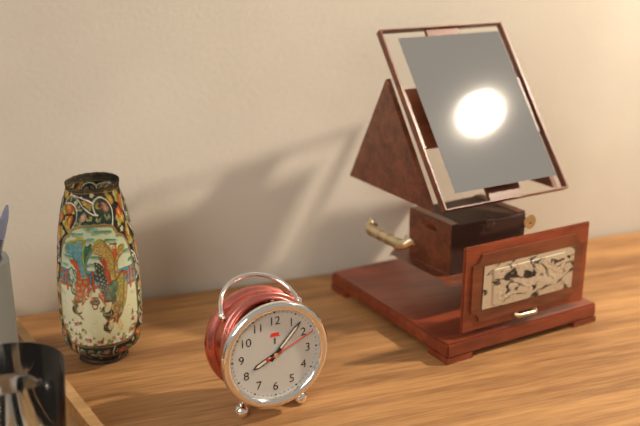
8:07:11
